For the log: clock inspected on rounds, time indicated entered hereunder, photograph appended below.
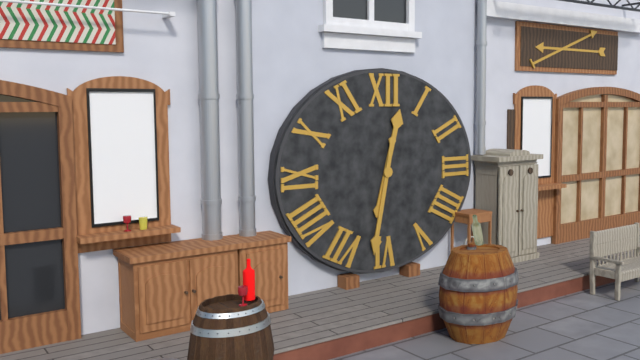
12:32
